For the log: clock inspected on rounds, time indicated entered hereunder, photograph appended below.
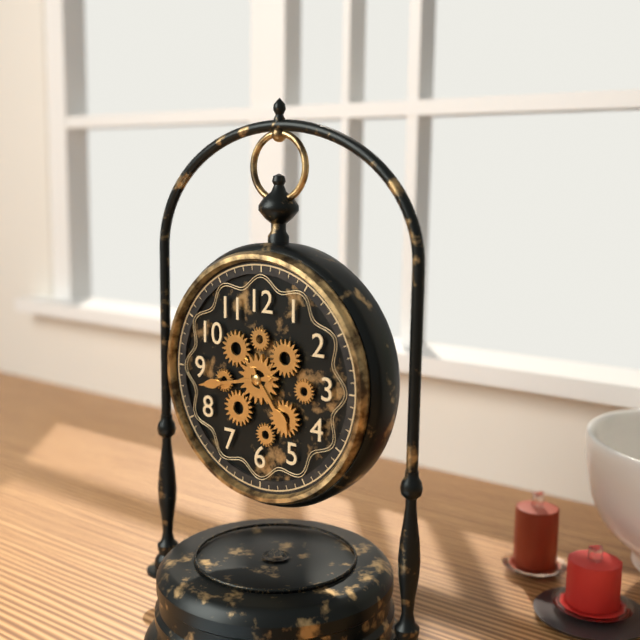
4:43
